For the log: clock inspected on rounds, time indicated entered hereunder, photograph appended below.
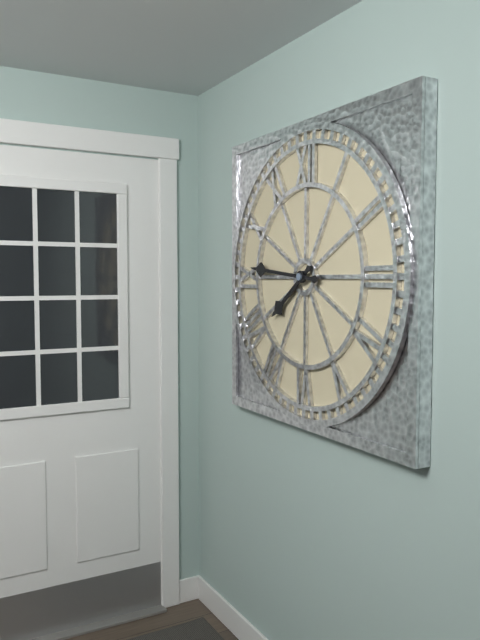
7:46
